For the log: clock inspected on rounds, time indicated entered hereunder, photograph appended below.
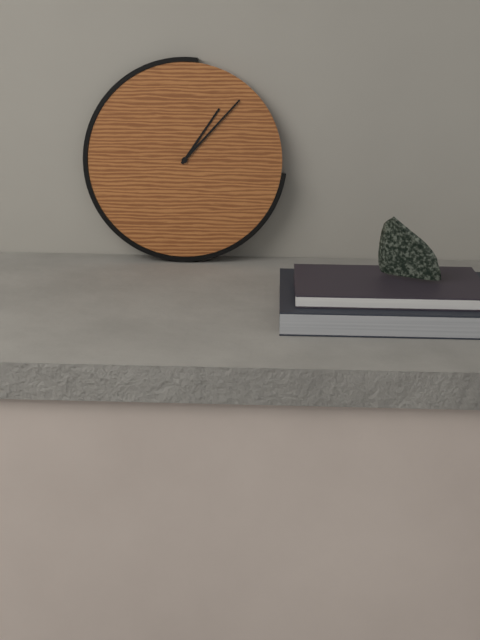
1:07
